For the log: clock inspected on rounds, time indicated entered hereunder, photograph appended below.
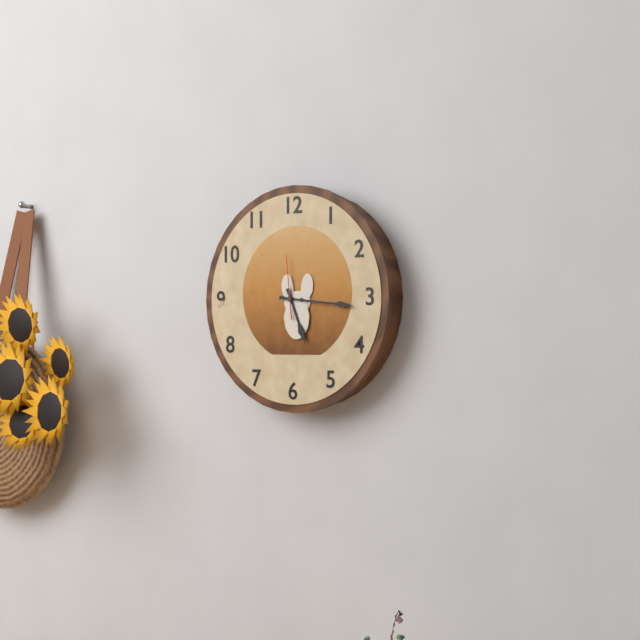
5:16:59
